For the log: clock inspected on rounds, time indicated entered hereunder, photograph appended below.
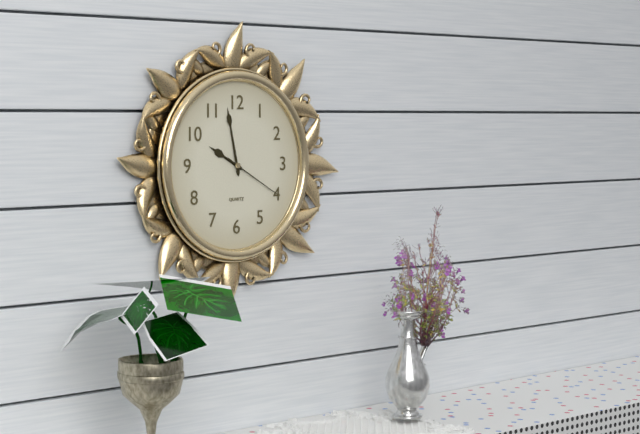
9:58:20
